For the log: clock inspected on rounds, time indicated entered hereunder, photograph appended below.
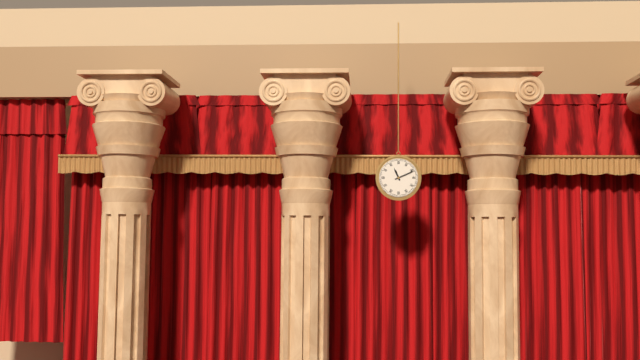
11:11
